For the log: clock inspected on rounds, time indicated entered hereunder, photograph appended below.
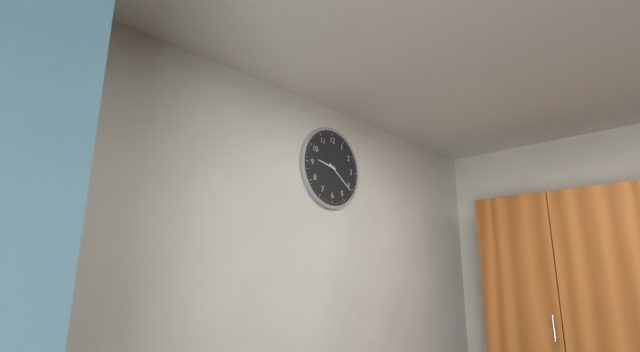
9:21
